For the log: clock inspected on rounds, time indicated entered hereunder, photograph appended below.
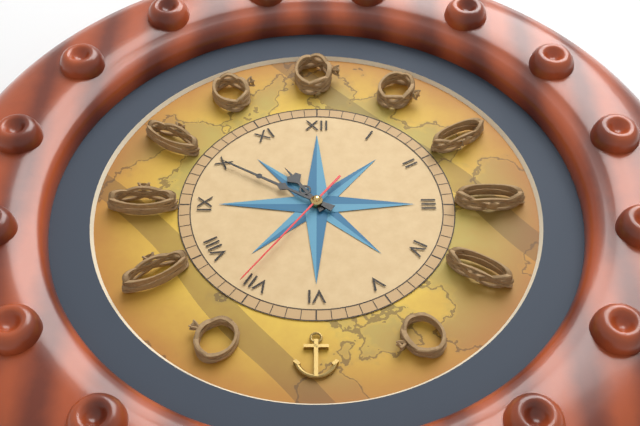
10:50:36
